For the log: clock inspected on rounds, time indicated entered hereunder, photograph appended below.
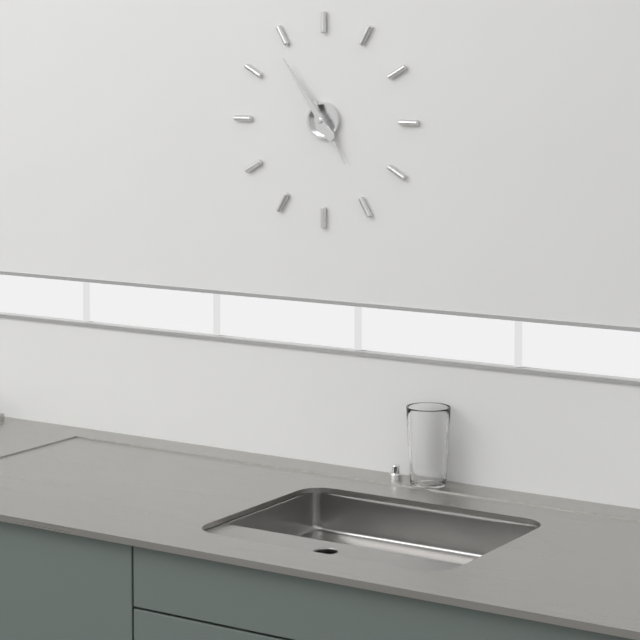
4:54
